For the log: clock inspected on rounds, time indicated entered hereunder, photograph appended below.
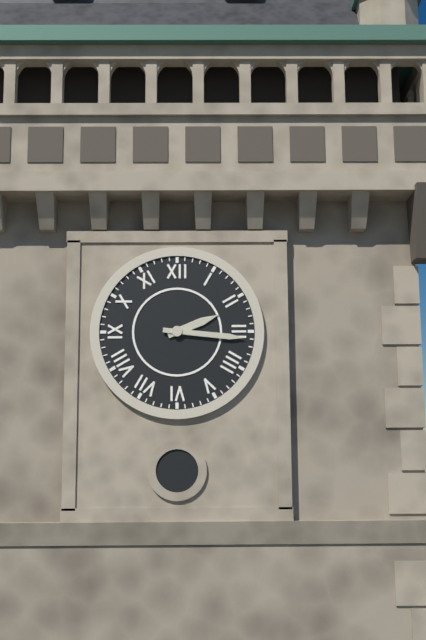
2:16
